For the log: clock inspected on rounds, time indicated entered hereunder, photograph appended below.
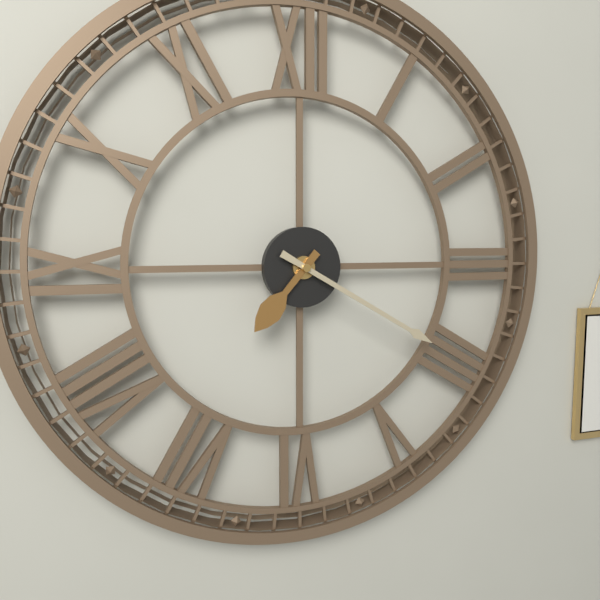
7:20
